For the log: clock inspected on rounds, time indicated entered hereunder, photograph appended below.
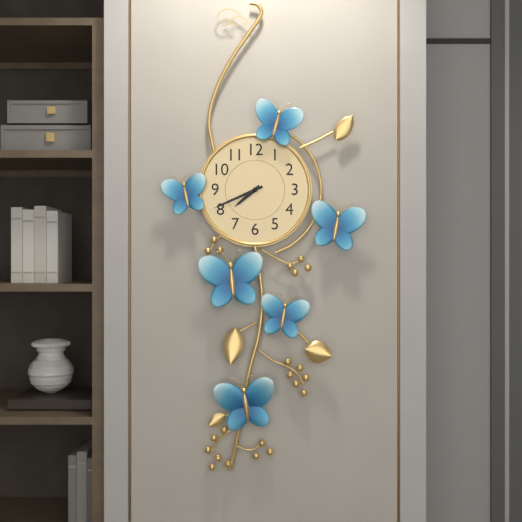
7:41
